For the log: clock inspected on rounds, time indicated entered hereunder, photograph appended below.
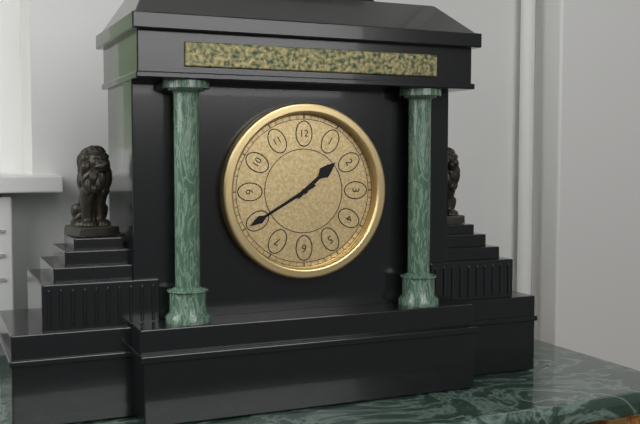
1:40
